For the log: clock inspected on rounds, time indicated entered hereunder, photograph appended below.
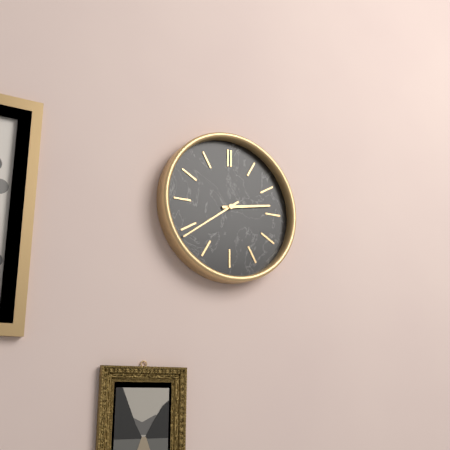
2:39
